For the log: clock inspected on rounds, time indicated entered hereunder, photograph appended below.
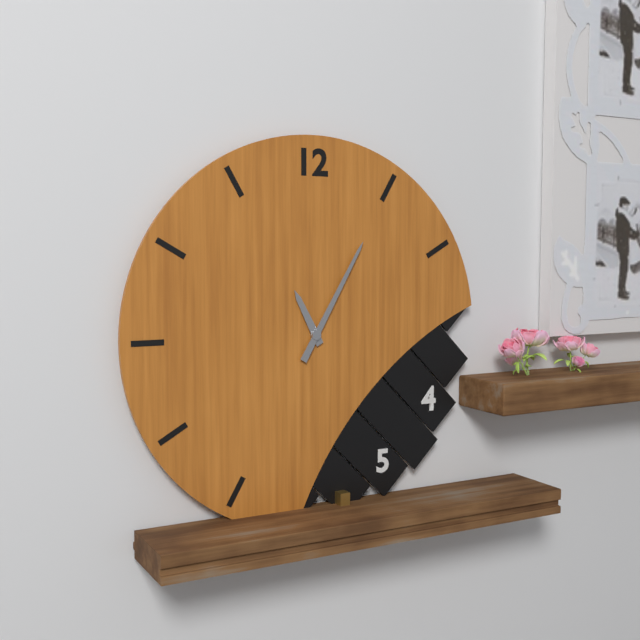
11:05
